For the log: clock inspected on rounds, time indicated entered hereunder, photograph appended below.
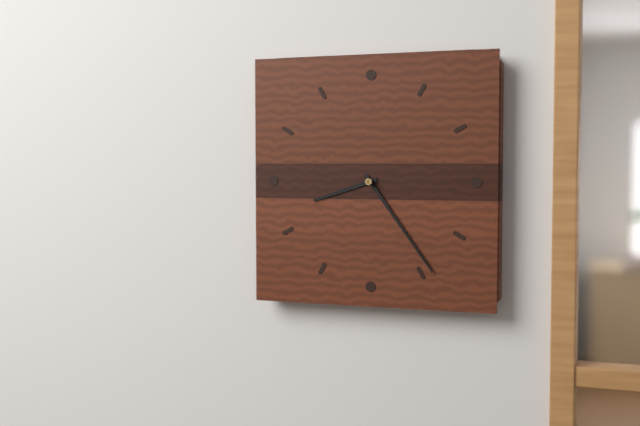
8:24
